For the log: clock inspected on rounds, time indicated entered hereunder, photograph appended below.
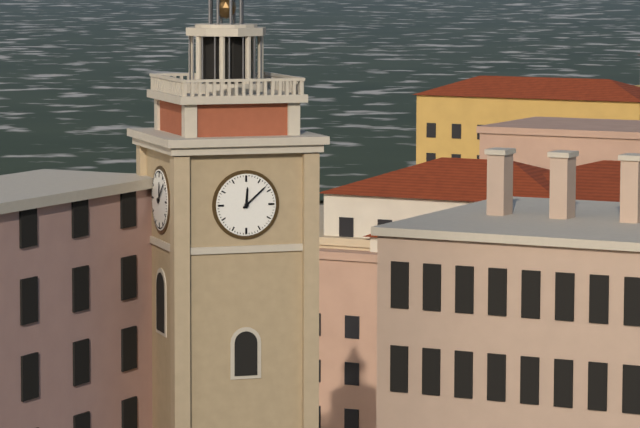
12:08
